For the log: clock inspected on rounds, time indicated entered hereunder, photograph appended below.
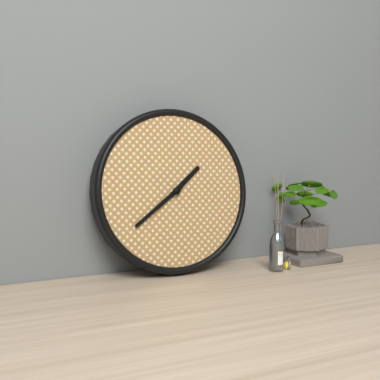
1:39
